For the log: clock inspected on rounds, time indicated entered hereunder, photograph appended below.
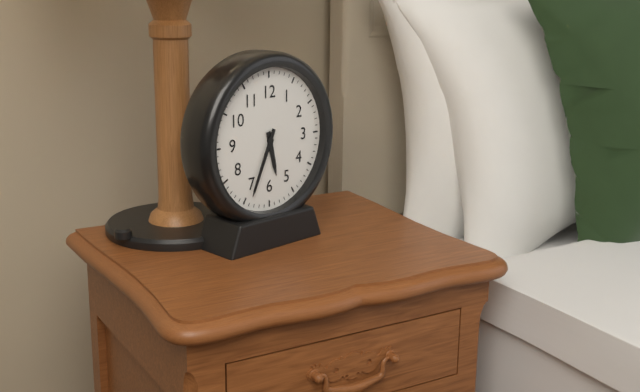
5:34
